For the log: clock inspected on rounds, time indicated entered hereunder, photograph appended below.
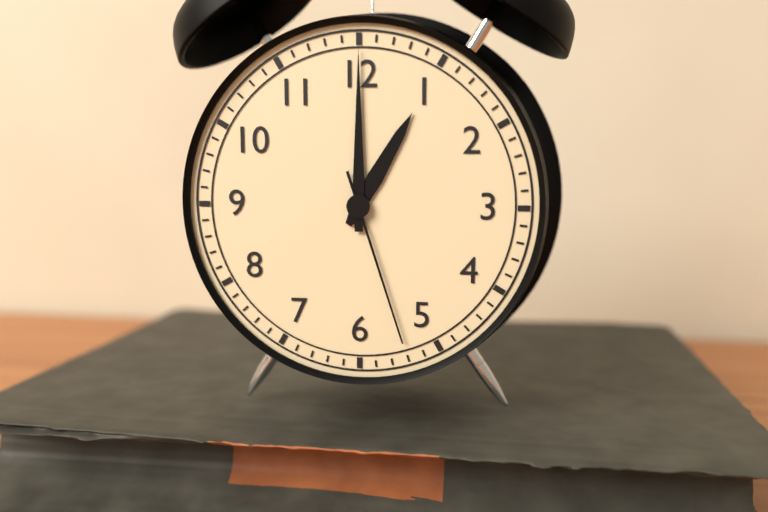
1:00:27
